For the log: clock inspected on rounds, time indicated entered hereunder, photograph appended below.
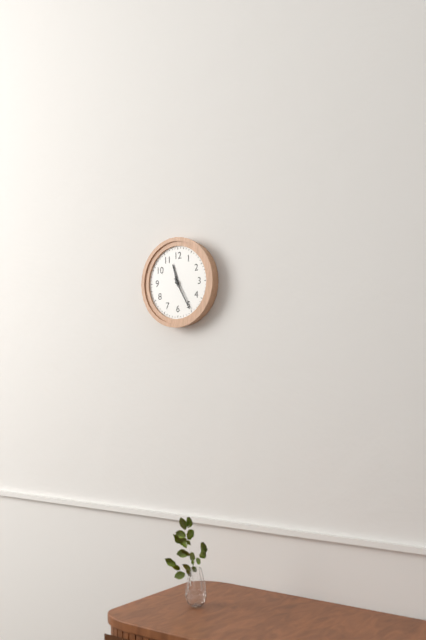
11:25
